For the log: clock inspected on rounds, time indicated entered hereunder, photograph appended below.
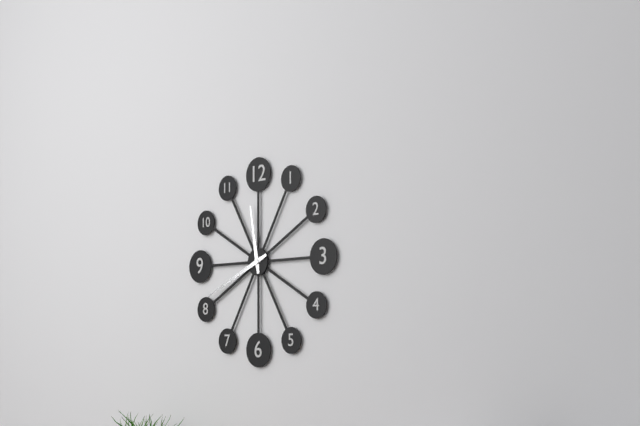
11:41
